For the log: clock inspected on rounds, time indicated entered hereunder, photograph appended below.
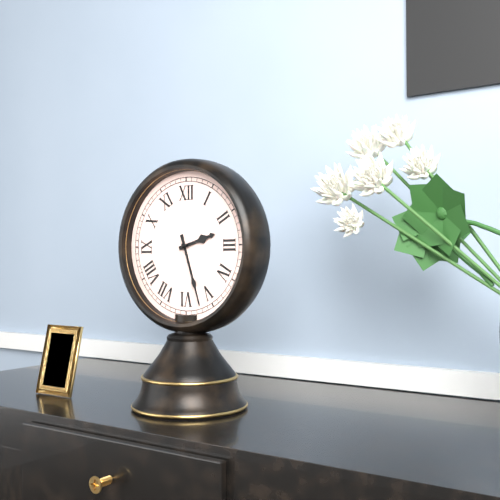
2:27
